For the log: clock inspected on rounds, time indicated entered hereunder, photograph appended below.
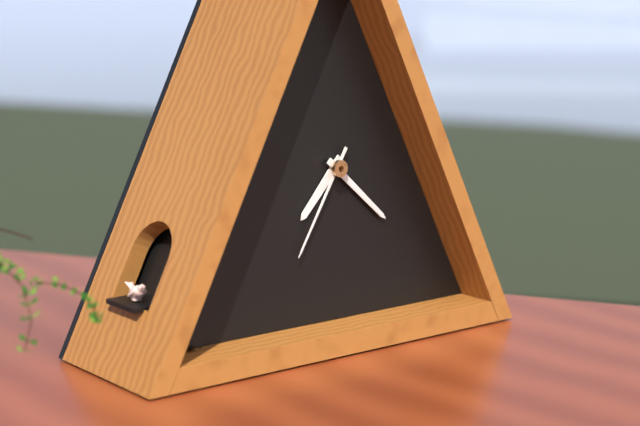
7:22:35
